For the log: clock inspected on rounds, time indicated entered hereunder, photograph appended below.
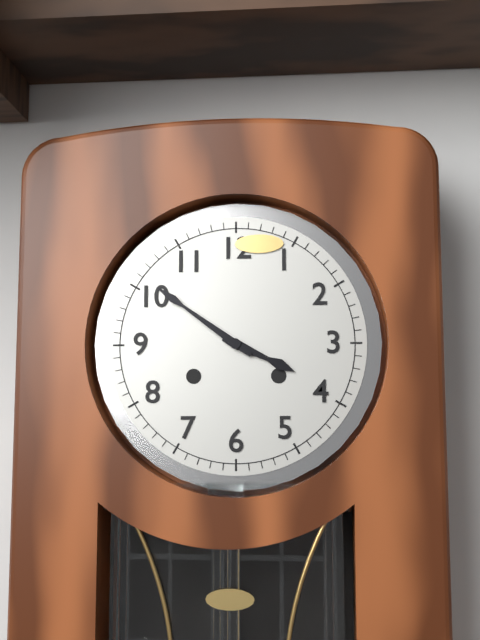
3:51
